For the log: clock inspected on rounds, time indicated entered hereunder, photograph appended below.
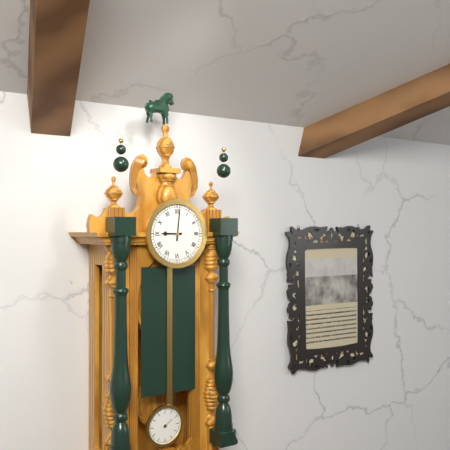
9:01
